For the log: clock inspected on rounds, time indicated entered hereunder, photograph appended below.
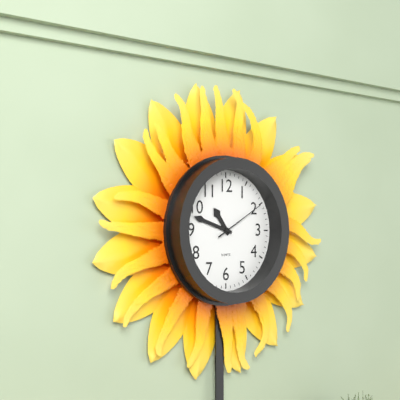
10:48:10
